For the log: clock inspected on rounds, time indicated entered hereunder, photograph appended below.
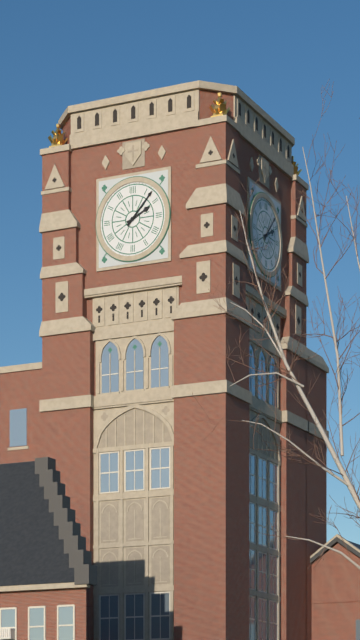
2:07
